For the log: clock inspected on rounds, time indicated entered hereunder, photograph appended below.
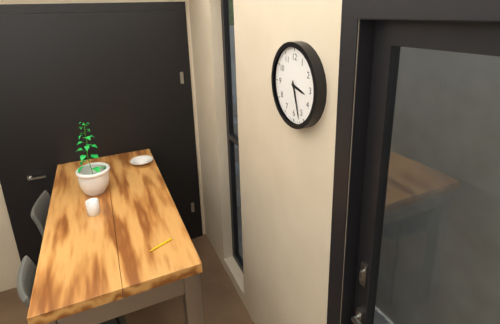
3:27
